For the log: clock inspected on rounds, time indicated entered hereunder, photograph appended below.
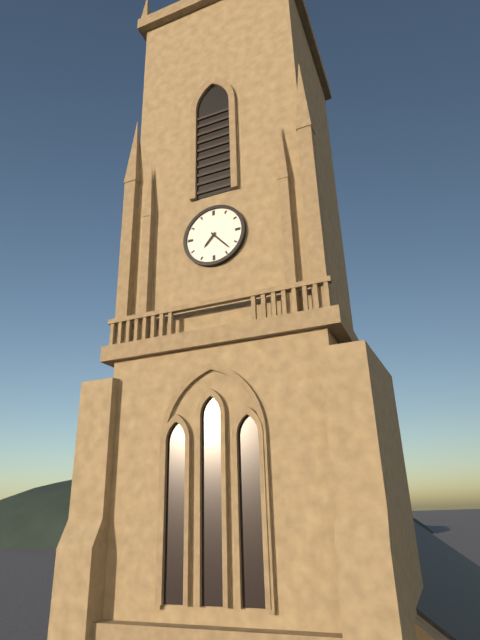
7:23
